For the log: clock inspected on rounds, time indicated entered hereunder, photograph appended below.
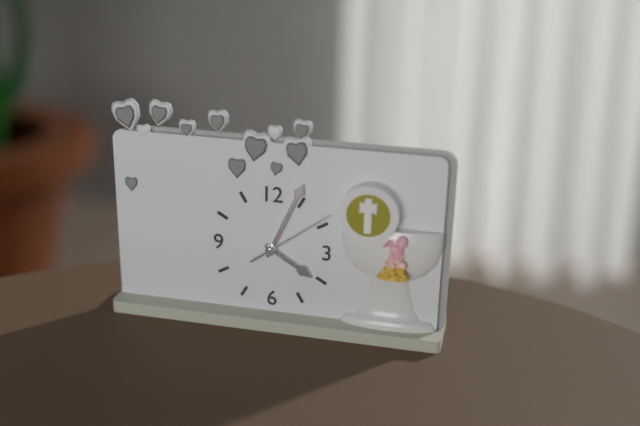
4:04:09
